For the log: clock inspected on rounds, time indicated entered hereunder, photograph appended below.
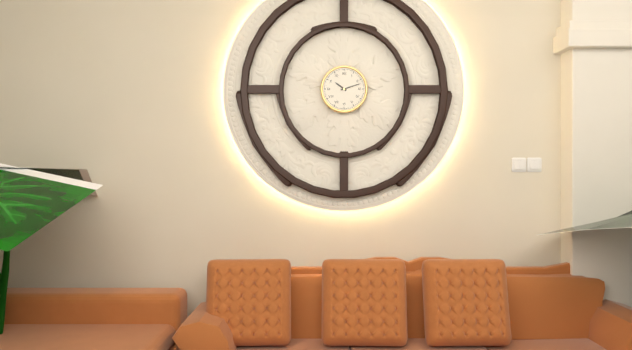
10:12
